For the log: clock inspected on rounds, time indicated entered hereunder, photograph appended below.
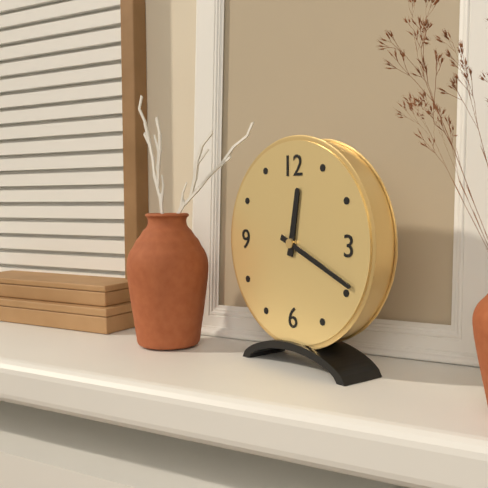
12:19
